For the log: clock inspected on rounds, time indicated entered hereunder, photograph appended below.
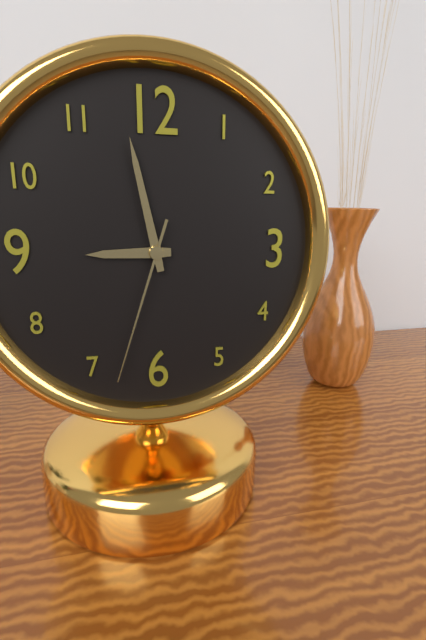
8:58:33
